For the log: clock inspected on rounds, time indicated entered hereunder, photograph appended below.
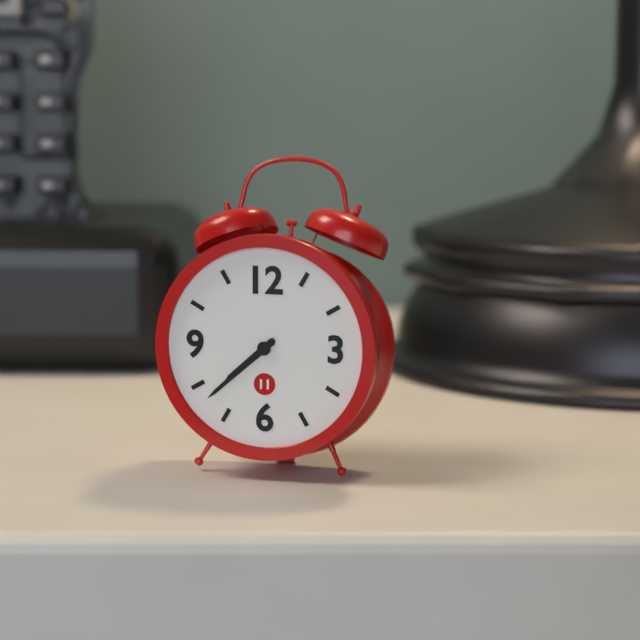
7:38
